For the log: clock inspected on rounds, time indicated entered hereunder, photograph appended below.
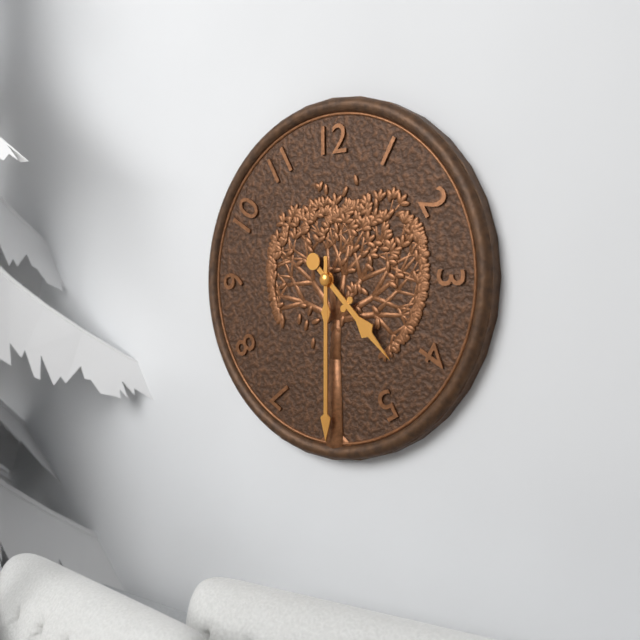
4:30
